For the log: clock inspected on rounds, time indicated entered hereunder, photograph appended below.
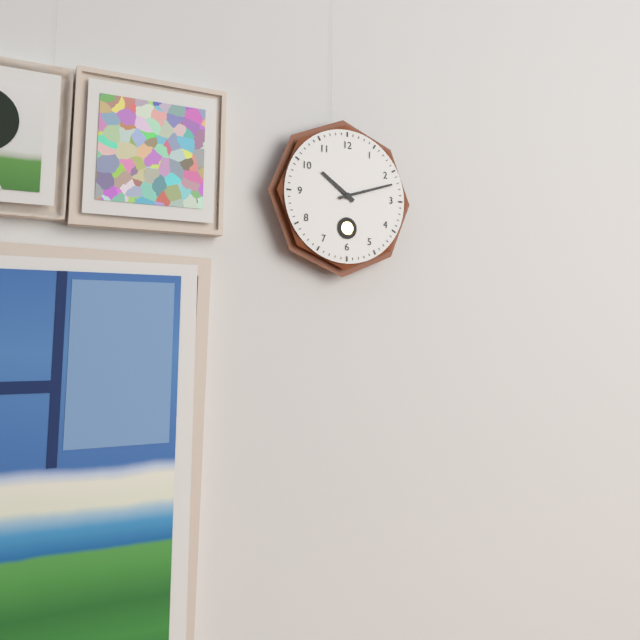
10:12
